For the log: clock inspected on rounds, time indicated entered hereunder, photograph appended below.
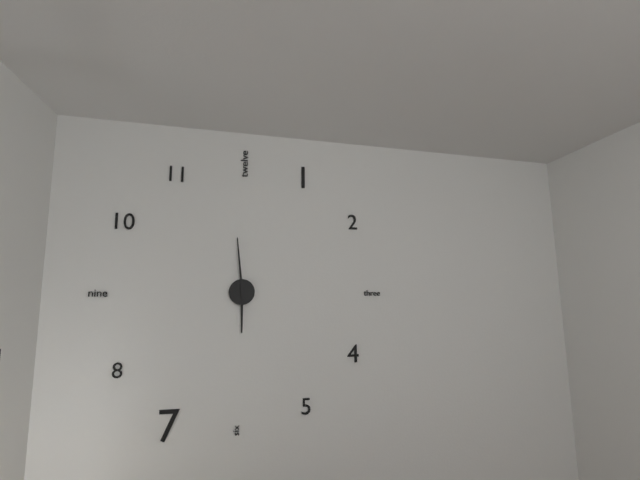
5:59
